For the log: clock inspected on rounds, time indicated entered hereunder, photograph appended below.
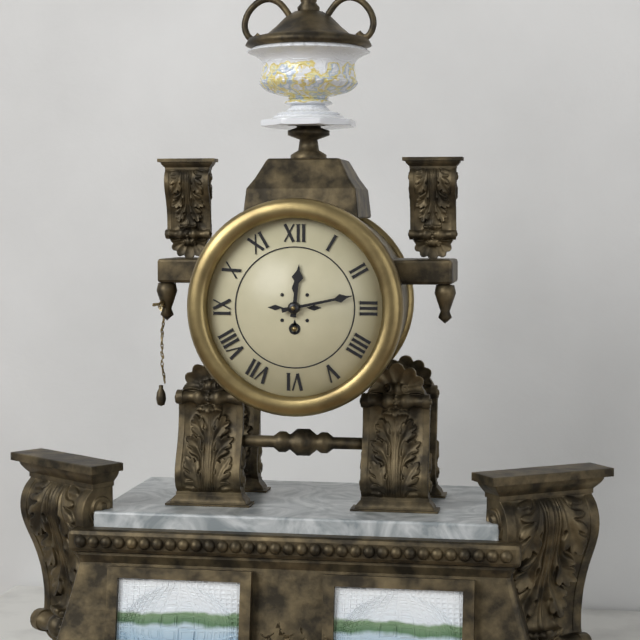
12:13
